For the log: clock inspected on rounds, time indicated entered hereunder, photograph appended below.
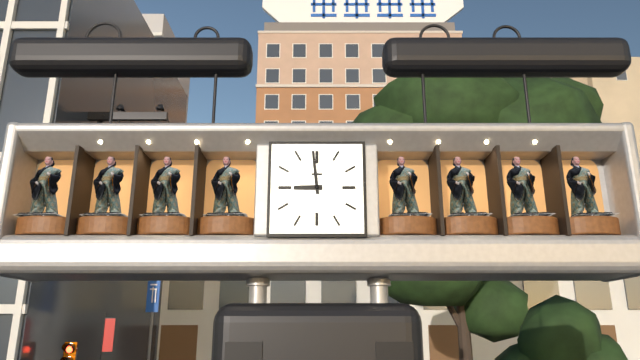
8:59
